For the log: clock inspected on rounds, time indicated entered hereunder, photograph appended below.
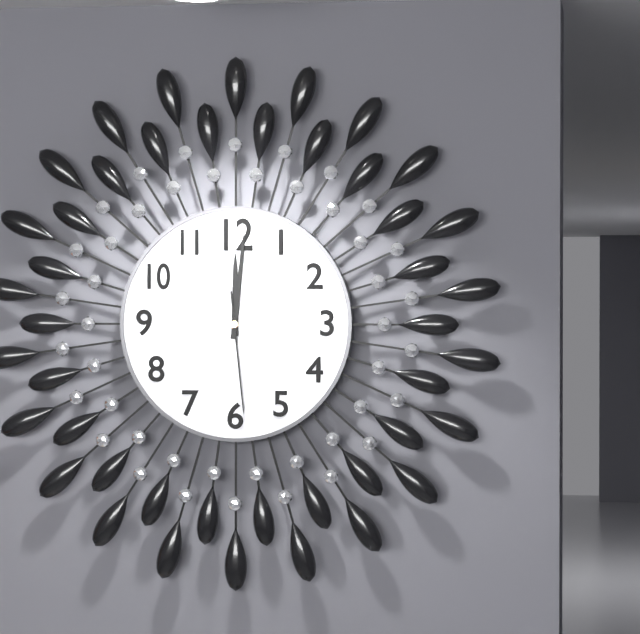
12:01:29
